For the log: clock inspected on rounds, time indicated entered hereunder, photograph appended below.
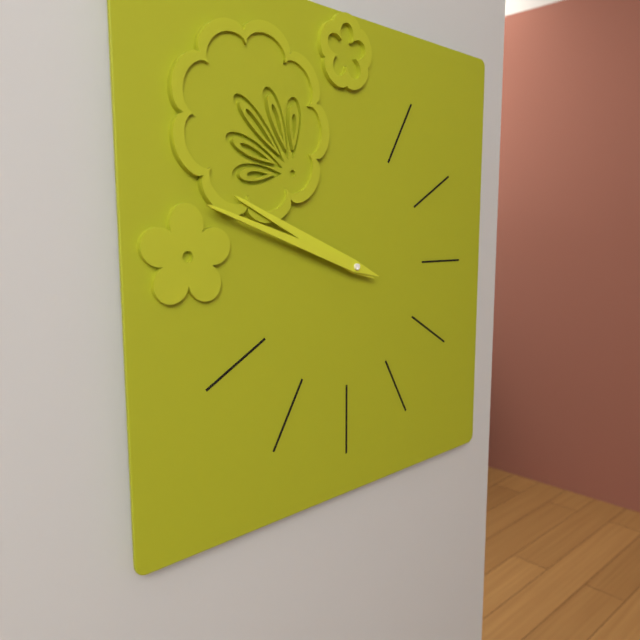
9:48
